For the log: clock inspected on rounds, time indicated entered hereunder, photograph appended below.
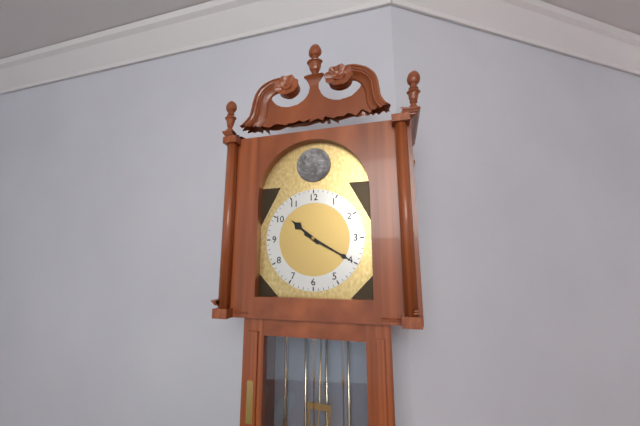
10:20
